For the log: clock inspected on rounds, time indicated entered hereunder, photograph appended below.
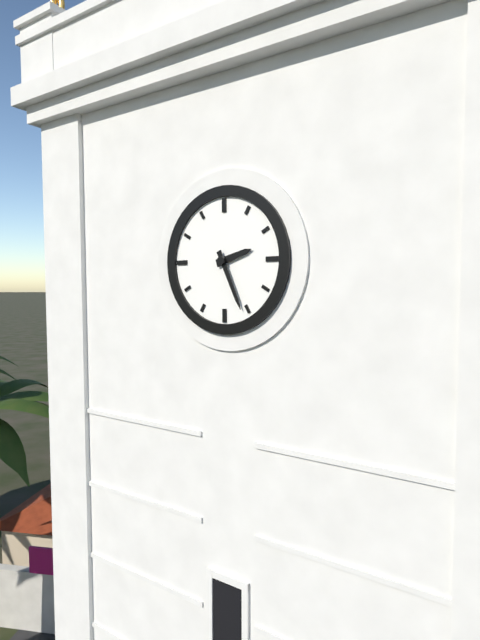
2:26
